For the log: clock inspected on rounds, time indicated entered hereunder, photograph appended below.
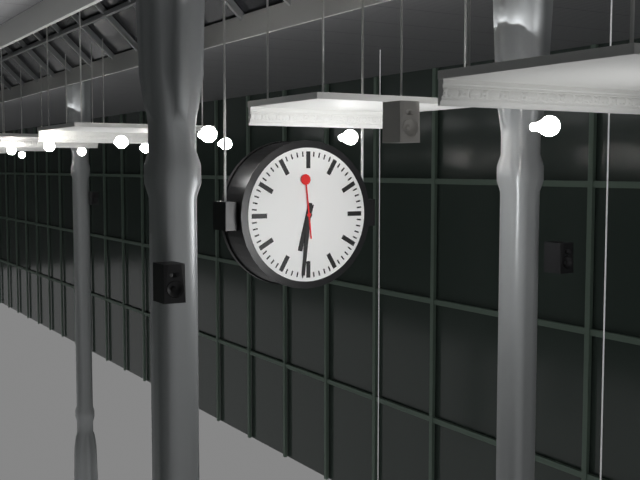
6:31:59
